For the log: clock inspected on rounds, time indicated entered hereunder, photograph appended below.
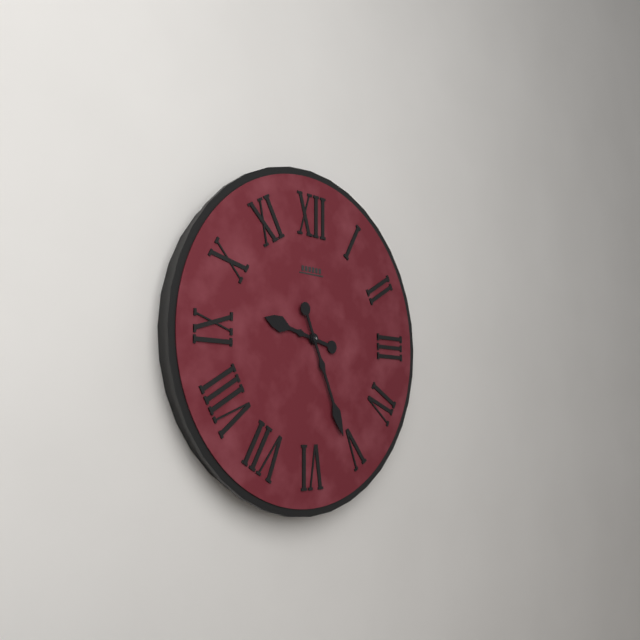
9:26
